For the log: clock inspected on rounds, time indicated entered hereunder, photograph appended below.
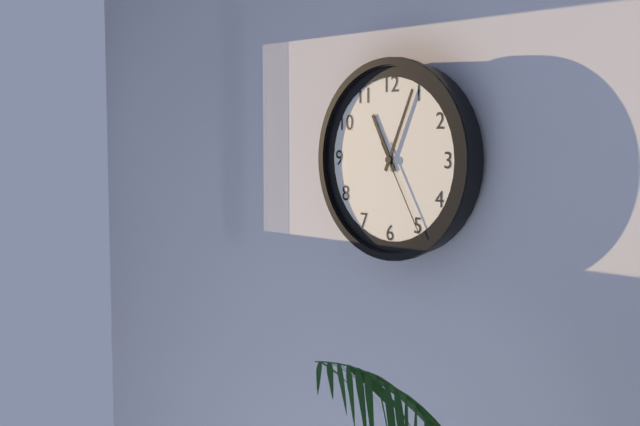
11:04:25
